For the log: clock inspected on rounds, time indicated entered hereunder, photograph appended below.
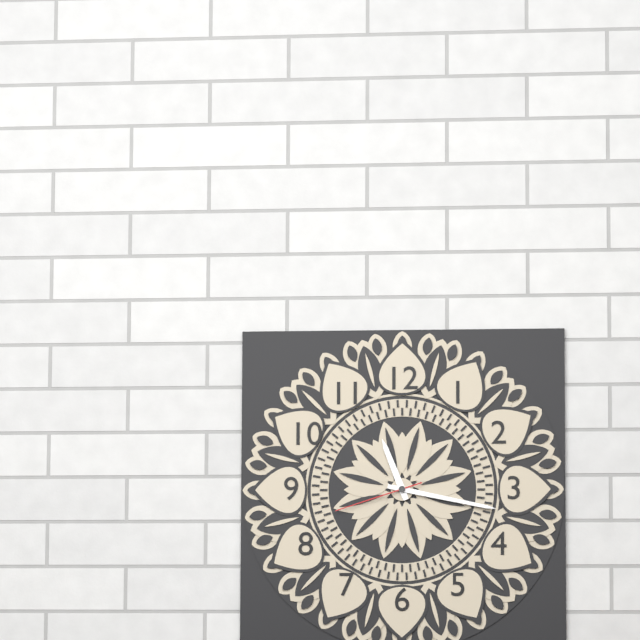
11:17:42
